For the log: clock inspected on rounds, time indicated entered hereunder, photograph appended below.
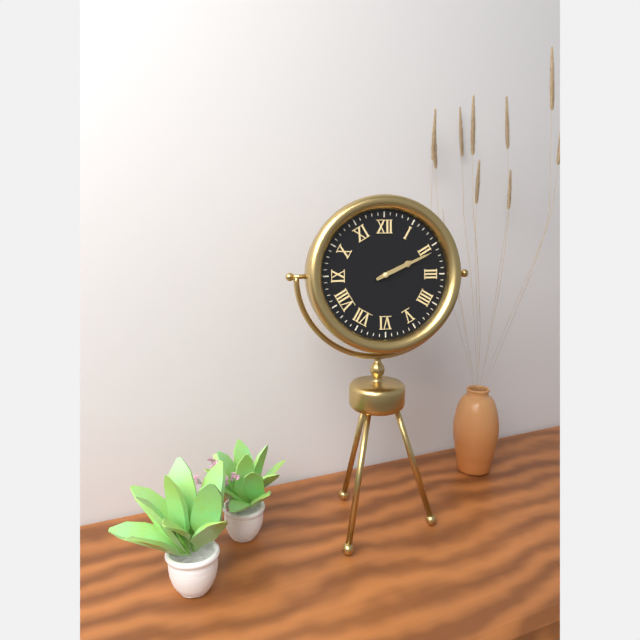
2:11
